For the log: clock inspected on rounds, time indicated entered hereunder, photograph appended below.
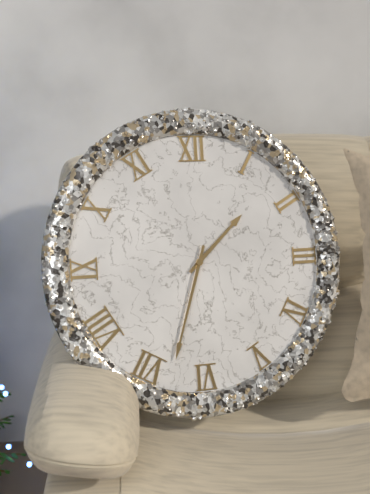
1:33
